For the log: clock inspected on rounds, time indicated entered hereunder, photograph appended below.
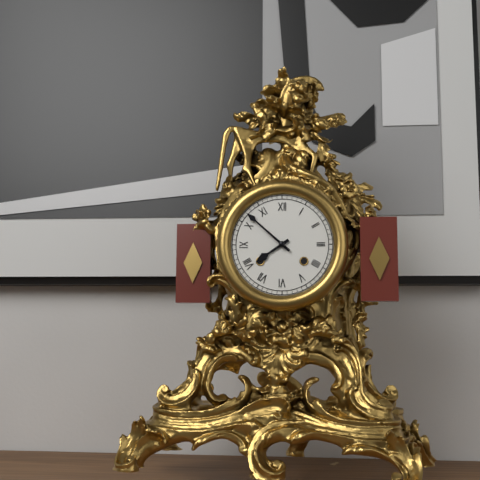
7:52
